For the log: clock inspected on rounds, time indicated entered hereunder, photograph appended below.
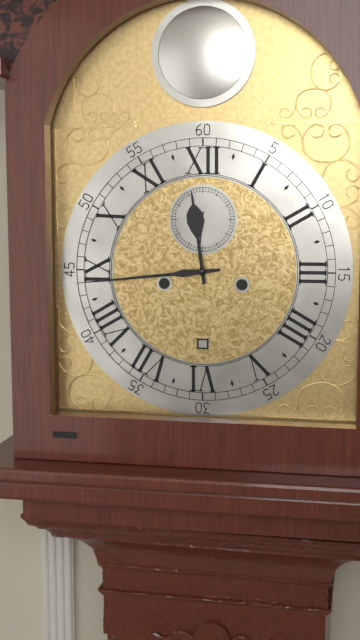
11:44
